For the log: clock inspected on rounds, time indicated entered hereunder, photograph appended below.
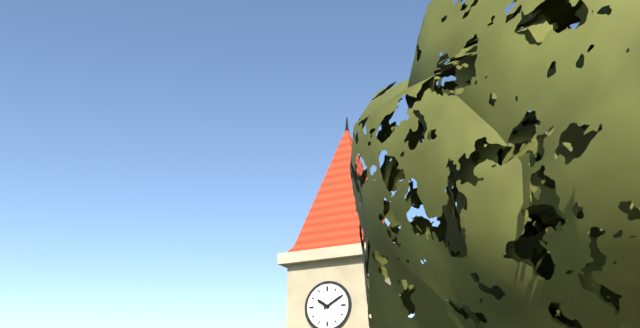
10:10
